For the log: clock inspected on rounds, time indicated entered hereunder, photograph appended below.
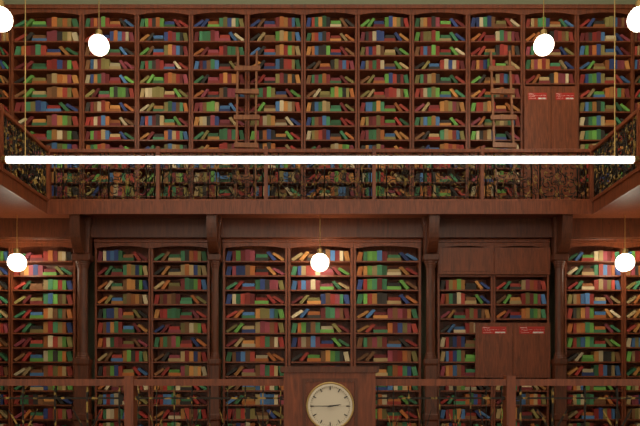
2:45
